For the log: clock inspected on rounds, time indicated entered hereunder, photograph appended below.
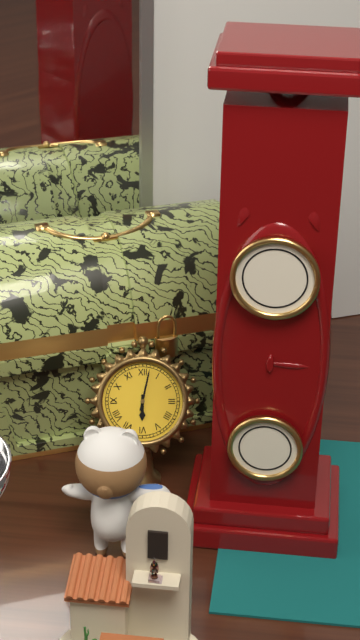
6:02
